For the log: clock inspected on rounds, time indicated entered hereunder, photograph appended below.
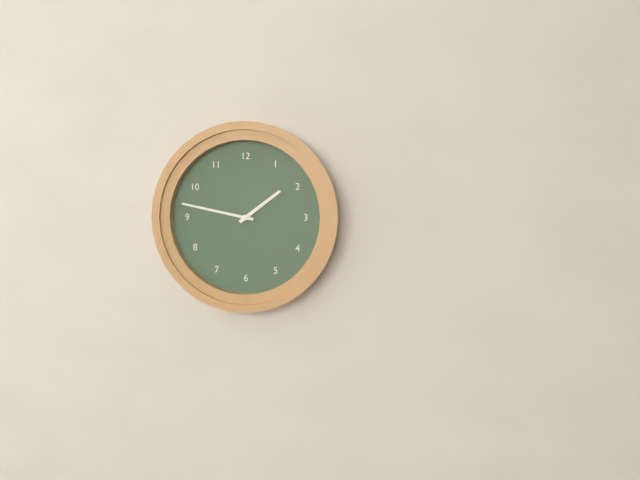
1:47
